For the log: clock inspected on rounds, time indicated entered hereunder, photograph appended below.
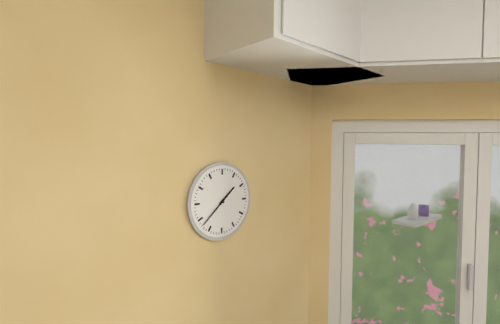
1:38
